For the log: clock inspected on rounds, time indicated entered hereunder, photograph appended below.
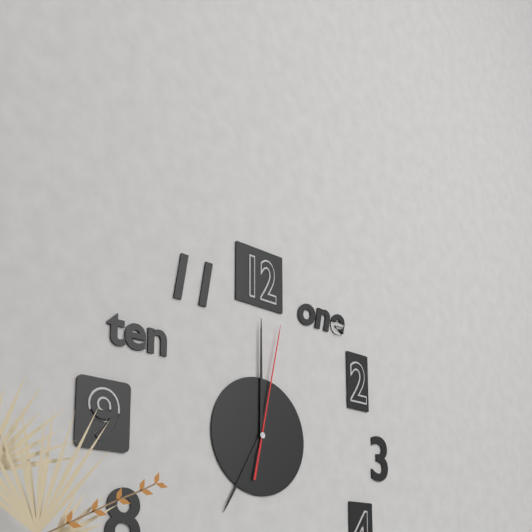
7:00:02
